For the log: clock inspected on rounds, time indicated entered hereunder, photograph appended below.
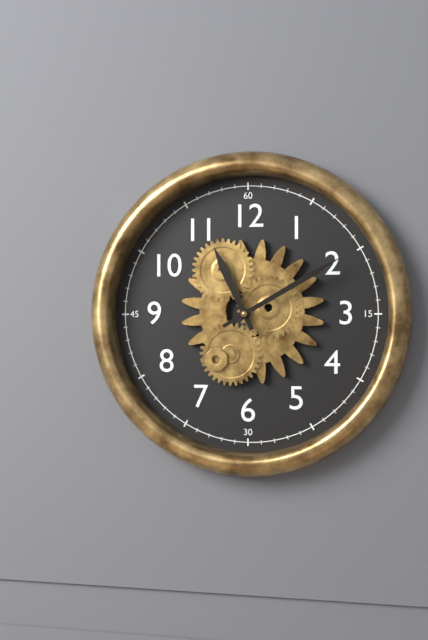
11:10
